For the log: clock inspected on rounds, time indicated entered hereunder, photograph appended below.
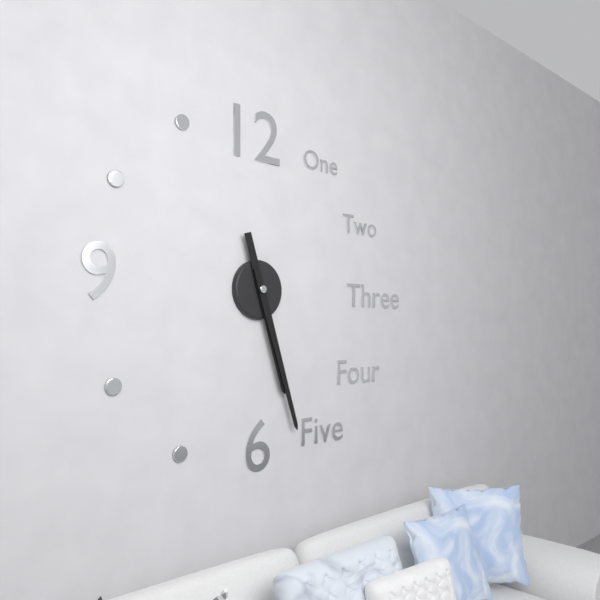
5:27
